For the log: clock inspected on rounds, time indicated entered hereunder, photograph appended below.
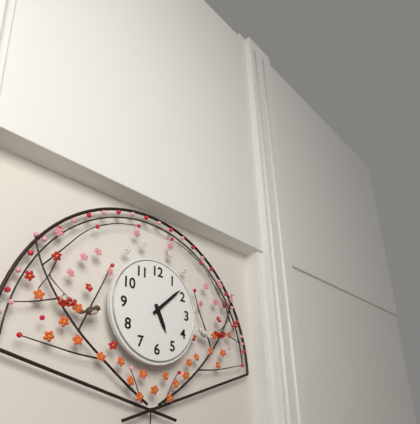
5:08
